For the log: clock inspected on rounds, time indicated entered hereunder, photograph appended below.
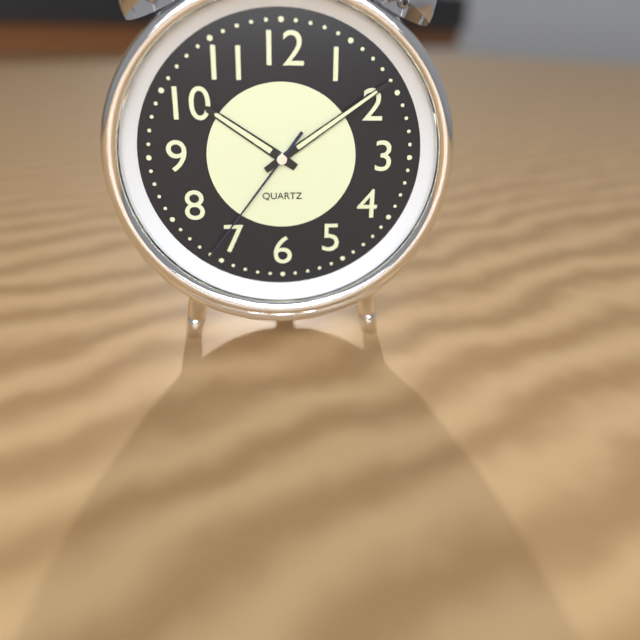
10:09:36
